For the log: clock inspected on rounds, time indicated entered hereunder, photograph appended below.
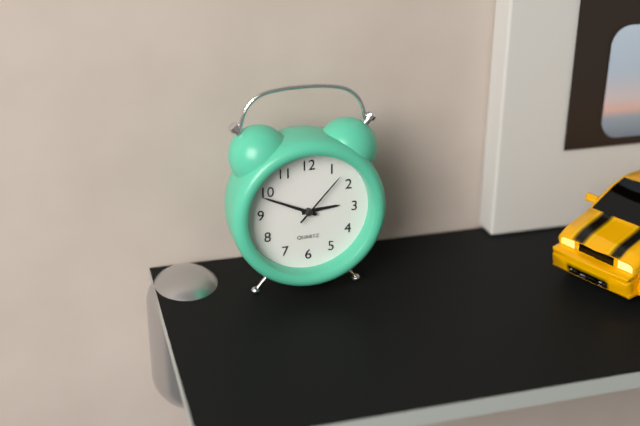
2:49:07
